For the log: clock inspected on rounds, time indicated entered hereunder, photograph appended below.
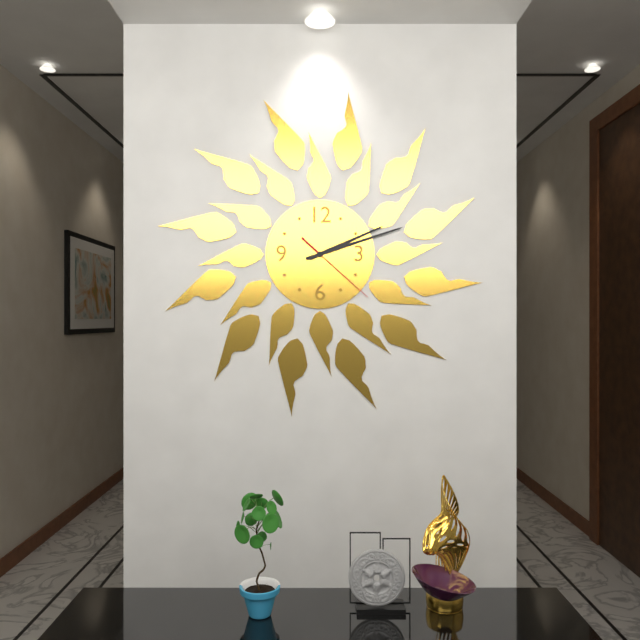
2:12:22
